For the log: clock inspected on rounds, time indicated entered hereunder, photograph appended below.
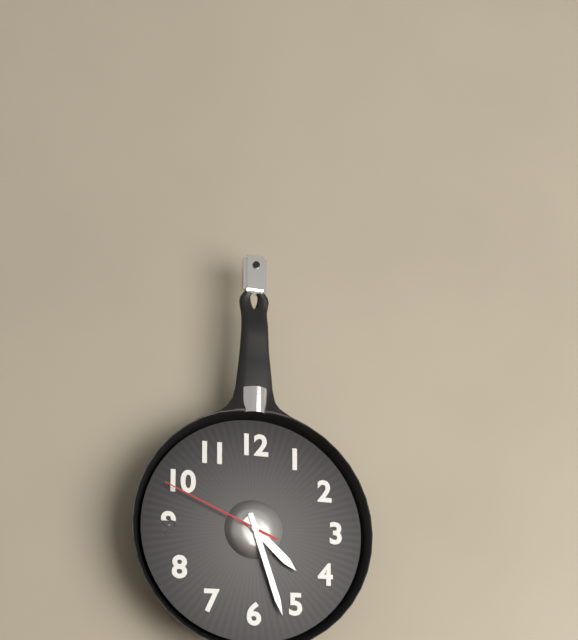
4:27:49
